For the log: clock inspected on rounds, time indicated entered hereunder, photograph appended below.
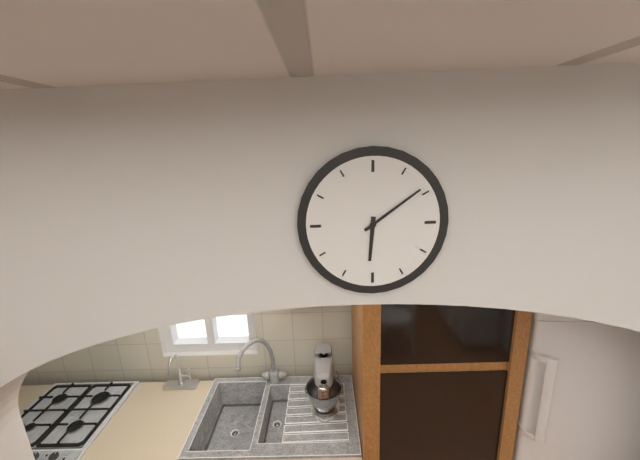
6:09
